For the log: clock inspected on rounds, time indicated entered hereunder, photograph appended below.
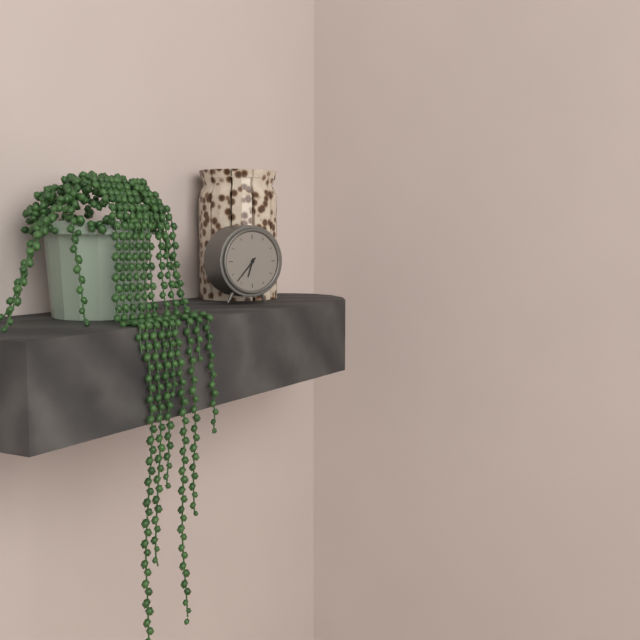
6:37
